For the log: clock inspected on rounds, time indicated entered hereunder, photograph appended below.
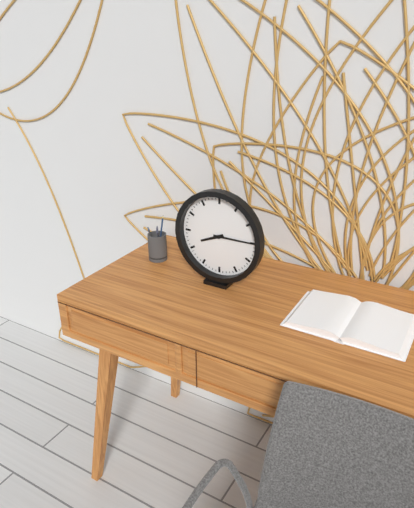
8:15
